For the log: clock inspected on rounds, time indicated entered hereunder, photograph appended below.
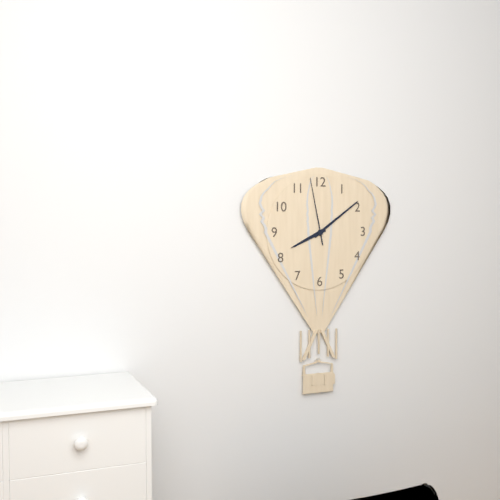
8:09:58
